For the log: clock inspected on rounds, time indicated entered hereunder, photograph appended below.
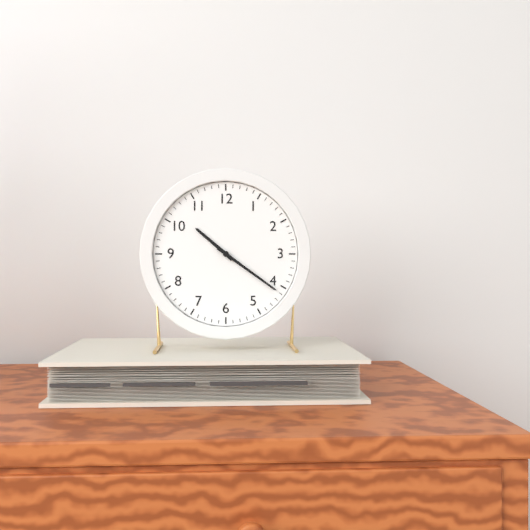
10:21
